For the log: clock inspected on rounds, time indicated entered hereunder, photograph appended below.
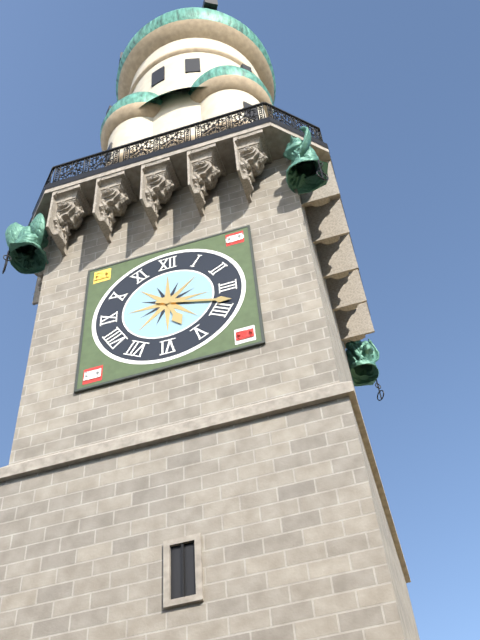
5:18
